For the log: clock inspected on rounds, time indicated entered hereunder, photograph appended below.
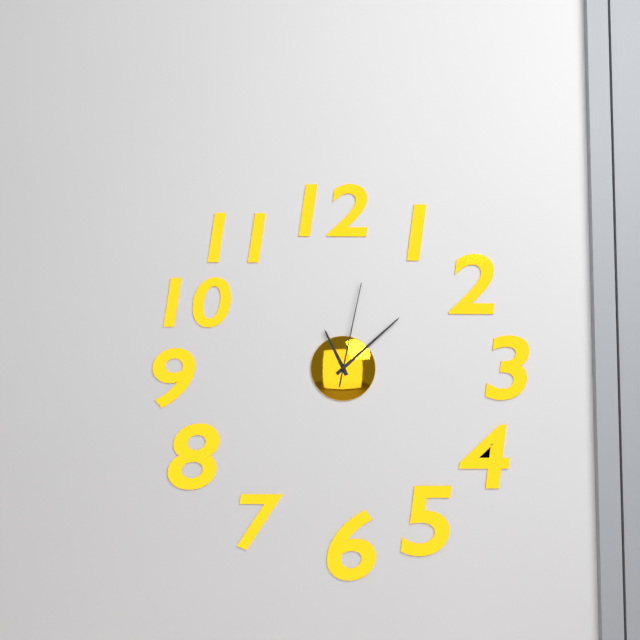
11:08:02
